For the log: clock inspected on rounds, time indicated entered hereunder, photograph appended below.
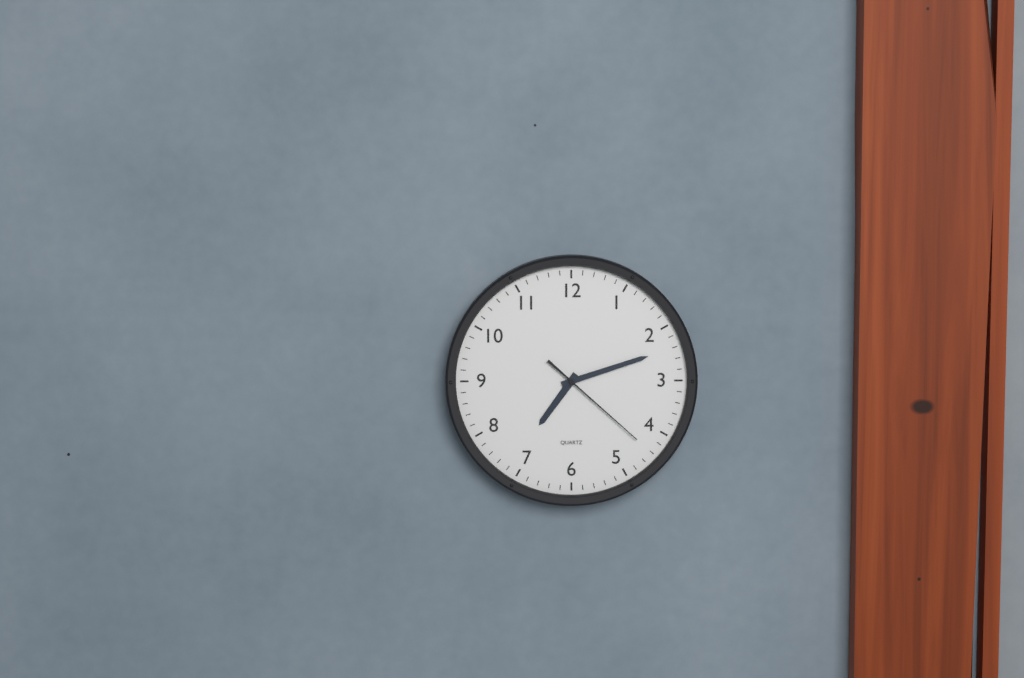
7:12:22
